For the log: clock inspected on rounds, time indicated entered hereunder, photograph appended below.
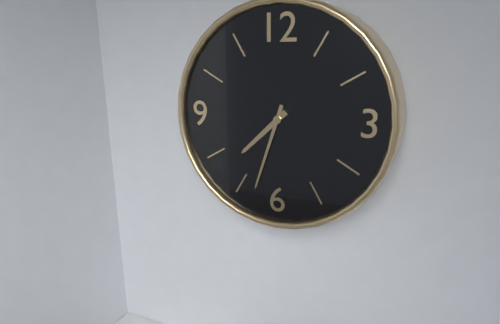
7:33
